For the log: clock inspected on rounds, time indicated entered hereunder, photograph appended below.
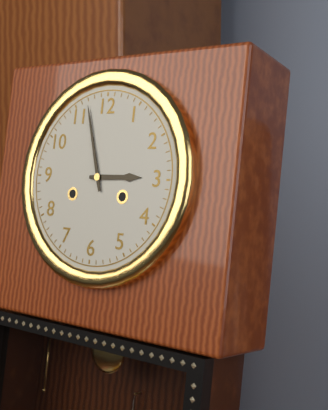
2:57
